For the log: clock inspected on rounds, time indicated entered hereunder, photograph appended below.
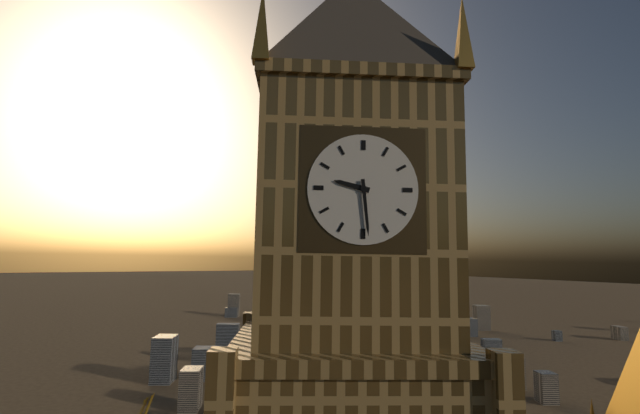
9:29
